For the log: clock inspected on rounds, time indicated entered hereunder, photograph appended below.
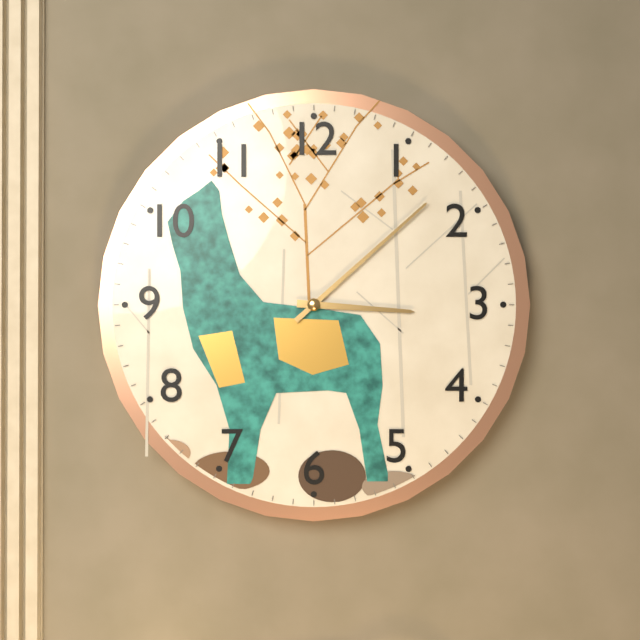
3:08
